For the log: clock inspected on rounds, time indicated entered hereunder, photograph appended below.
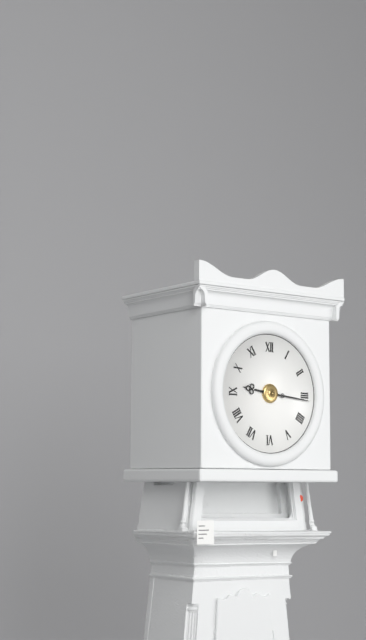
9:16
